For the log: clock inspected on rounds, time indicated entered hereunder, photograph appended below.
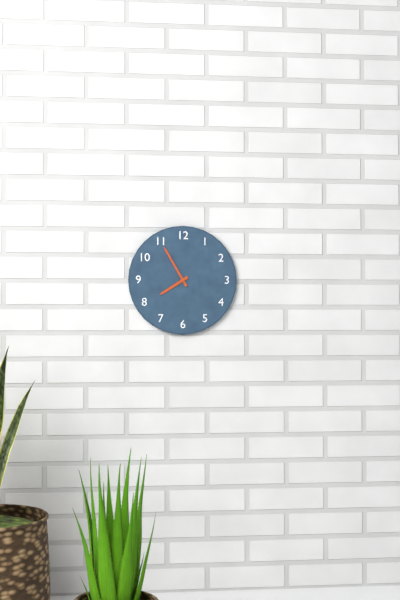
7:55
